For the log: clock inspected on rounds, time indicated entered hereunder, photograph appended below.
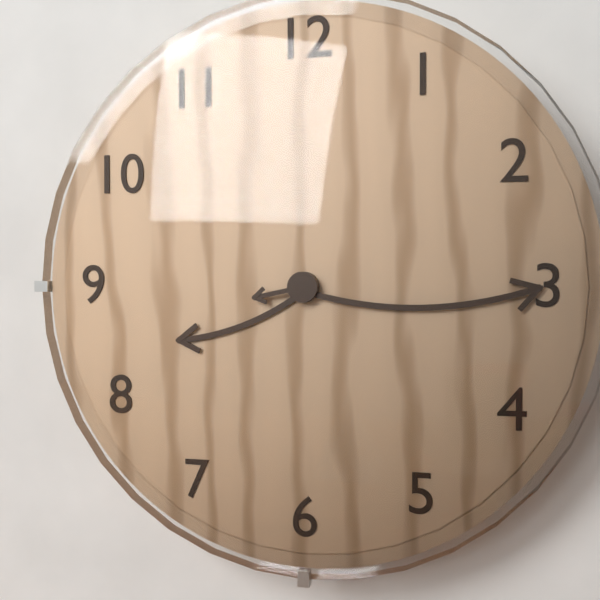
8:15:43
